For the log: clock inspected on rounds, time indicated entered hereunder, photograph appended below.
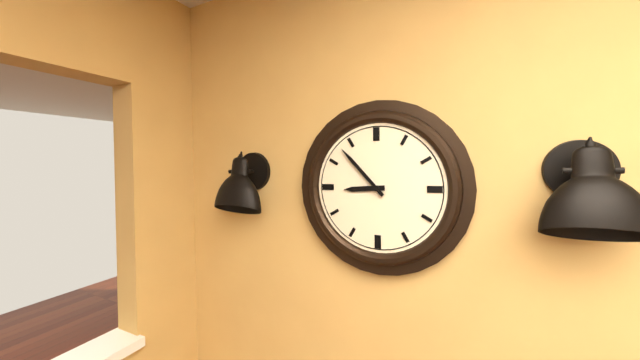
8:53
